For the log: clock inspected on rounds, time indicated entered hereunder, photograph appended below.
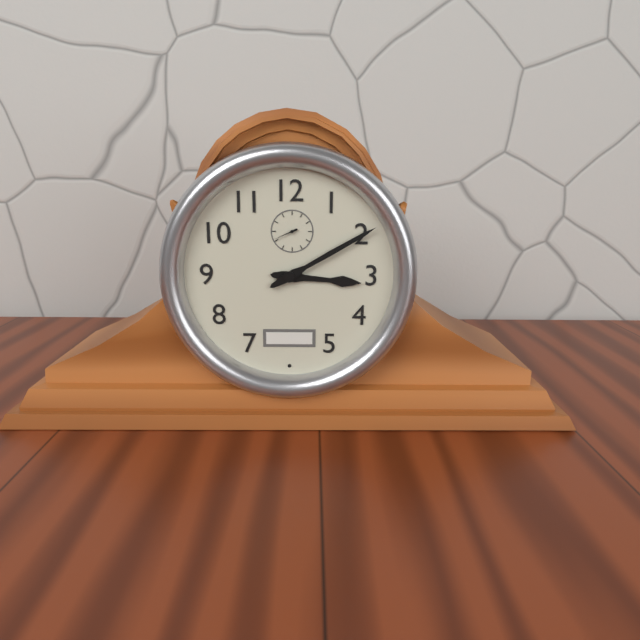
3:10
